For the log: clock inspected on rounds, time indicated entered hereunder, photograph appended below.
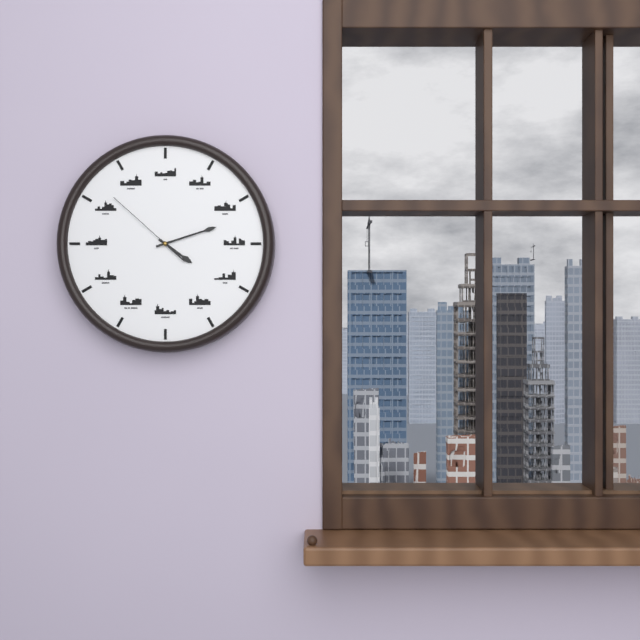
4:12:52
